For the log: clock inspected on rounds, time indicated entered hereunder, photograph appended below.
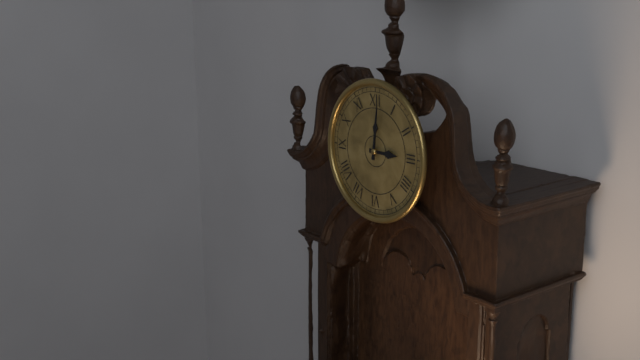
3:01
